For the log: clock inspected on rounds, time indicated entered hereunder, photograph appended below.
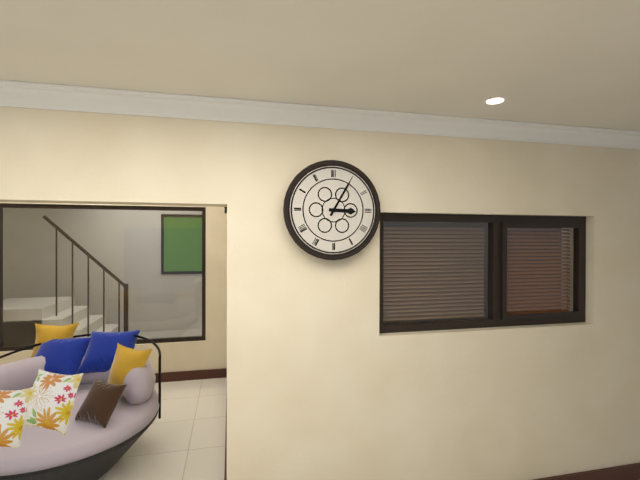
3:05
